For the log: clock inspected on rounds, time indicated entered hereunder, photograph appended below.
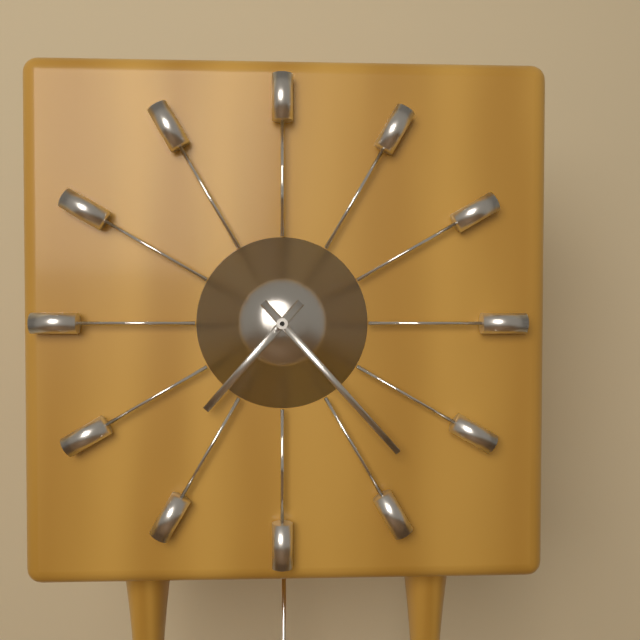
7:23
